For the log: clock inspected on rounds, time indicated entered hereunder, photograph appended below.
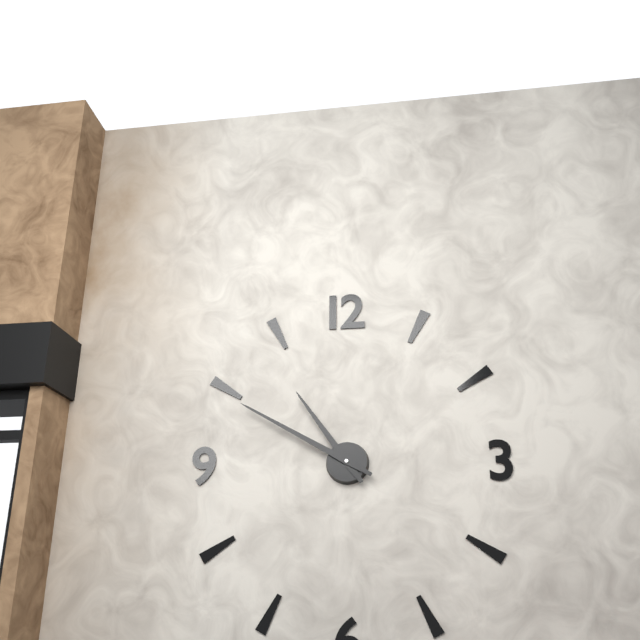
10:50
